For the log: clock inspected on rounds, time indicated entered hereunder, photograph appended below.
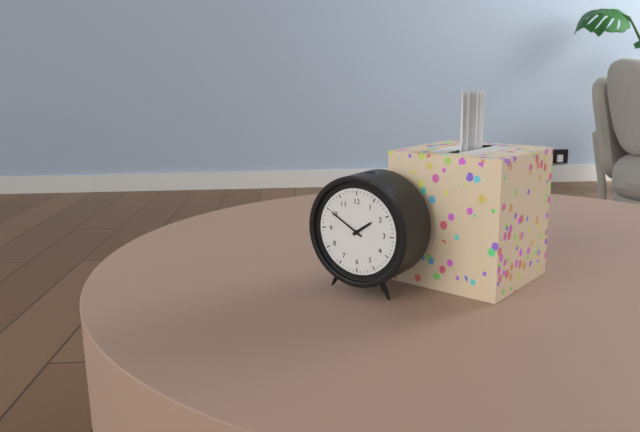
1:50
